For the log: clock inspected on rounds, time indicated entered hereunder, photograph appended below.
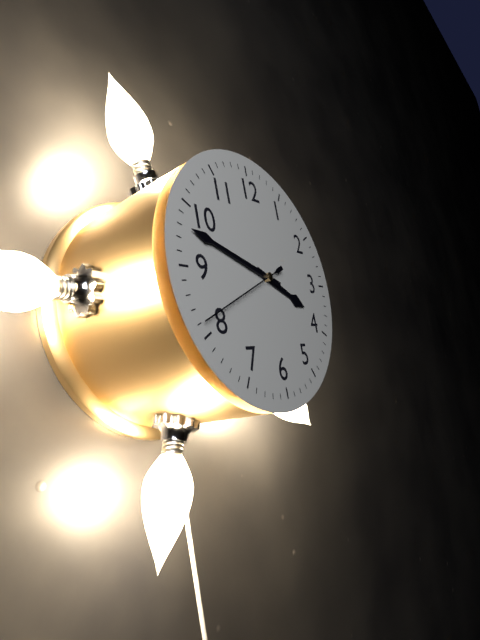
3:48:41
